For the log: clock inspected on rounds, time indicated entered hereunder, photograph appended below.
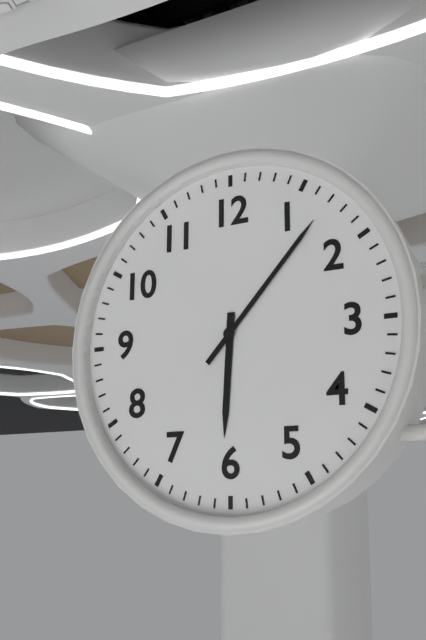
6:07
